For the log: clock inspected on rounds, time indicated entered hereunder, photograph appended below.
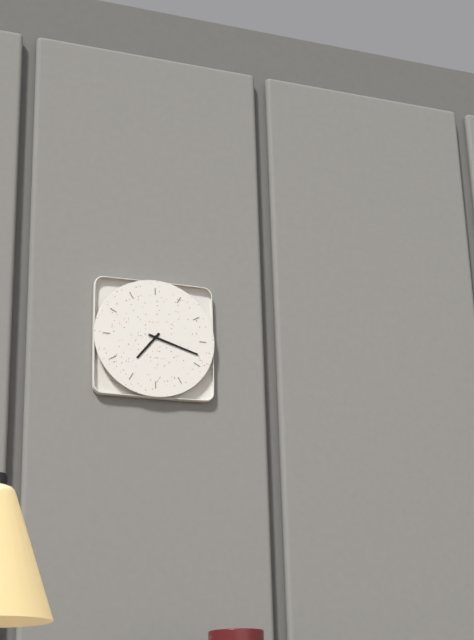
7:18
